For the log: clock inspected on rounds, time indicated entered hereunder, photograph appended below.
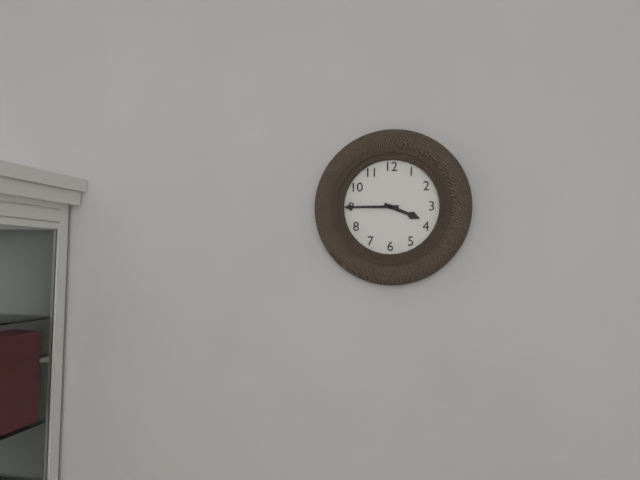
3:45
